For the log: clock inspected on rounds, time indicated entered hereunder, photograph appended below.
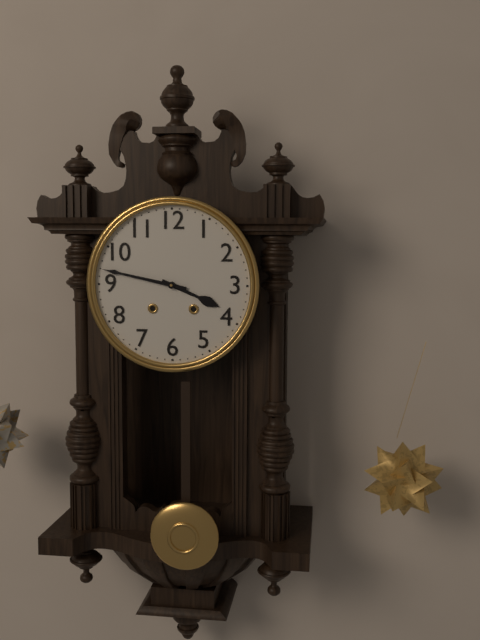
3:47
